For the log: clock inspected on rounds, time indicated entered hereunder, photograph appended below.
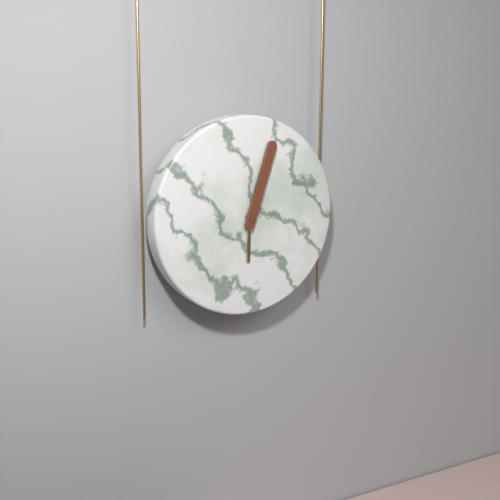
6:03
